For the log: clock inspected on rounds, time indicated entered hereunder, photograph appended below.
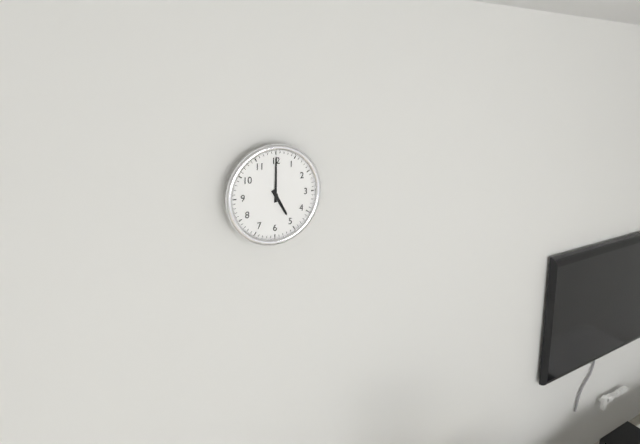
5:00
